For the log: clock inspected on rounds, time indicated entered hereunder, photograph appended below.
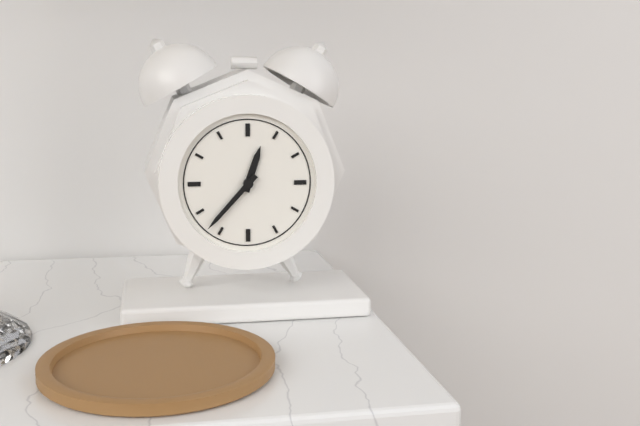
12:37
